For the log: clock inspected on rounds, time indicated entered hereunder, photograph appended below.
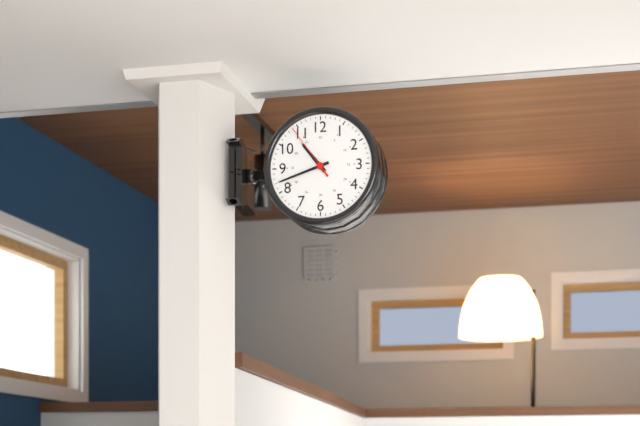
10:42:54
